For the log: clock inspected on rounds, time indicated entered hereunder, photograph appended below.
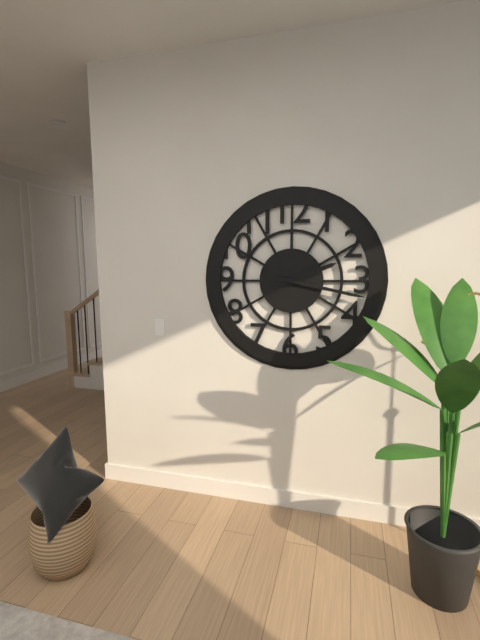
2:17
